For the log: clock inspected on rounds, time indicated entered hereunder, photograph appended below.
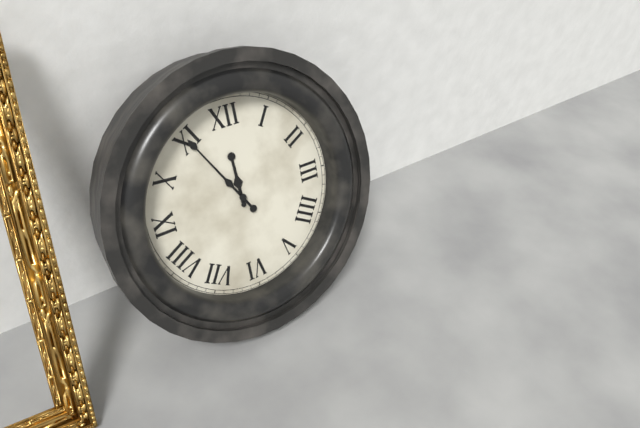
11:55
